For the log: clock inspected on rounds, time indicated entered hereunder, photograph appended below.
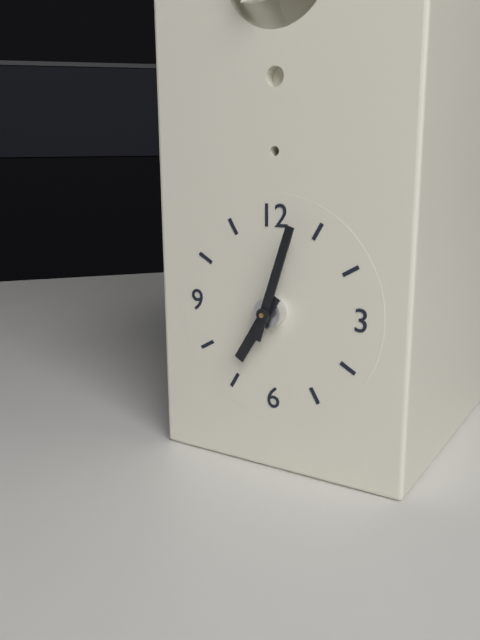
7:03
